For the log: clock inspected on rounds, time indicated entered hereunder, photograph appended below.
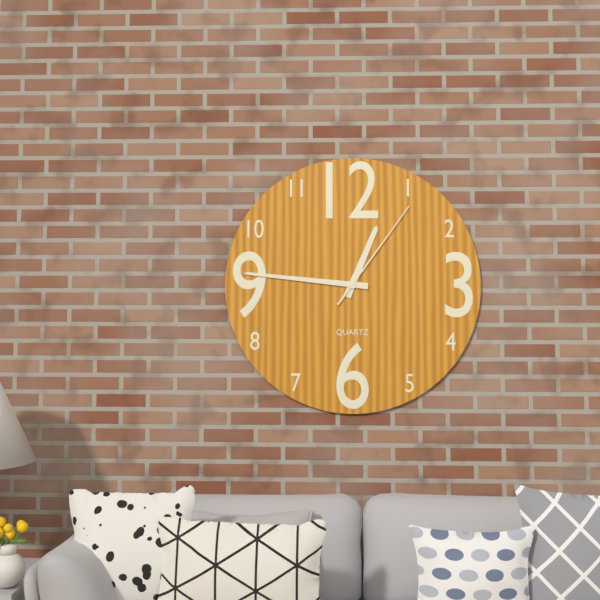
12:46:06
